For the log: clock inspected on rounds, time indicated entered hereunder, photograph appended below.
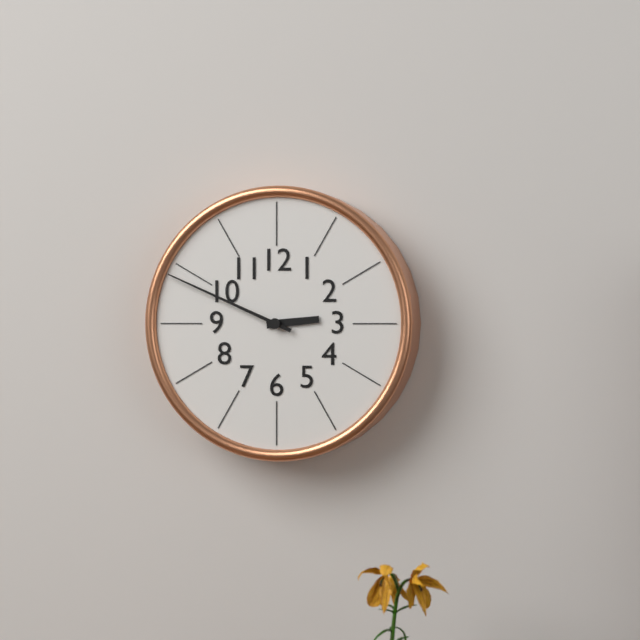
2:49
